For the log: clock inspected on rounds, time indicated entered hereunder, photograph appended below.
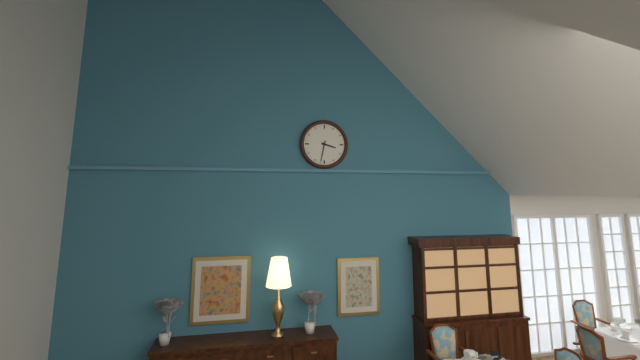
3:32
